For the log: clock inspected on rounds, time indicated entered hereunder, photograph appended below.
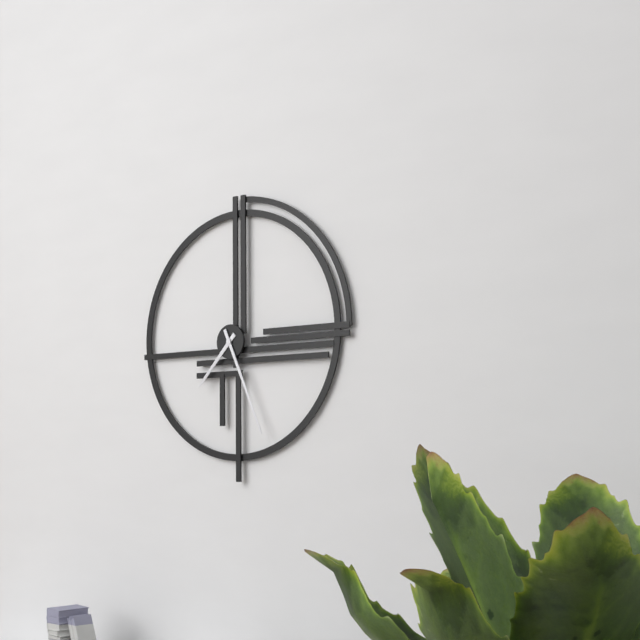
7:26
